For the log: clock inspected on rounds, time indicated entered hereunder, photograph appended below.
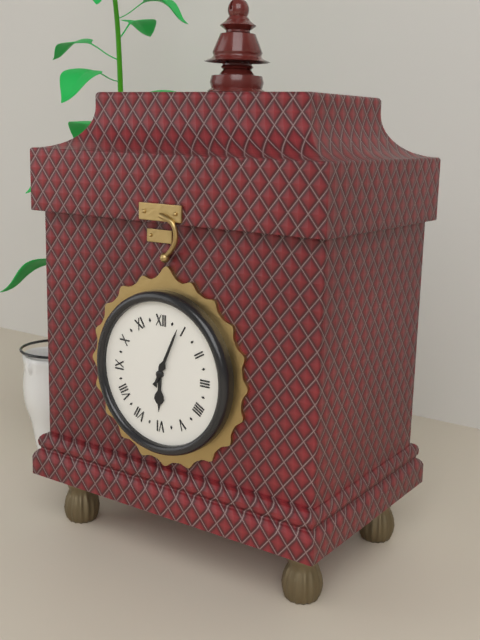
6:04
